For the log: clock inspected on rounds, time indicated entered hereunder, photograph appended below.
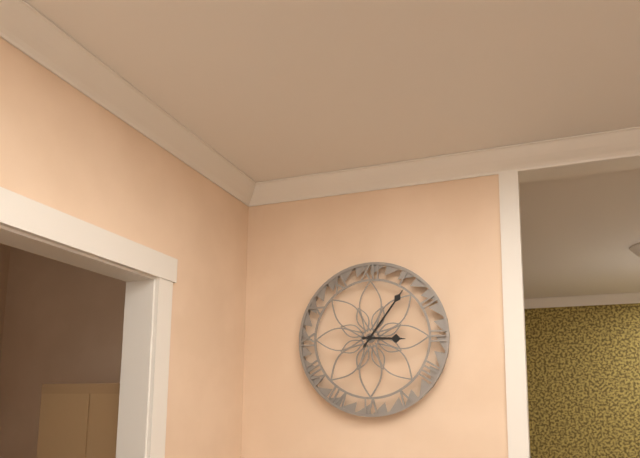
3:06
